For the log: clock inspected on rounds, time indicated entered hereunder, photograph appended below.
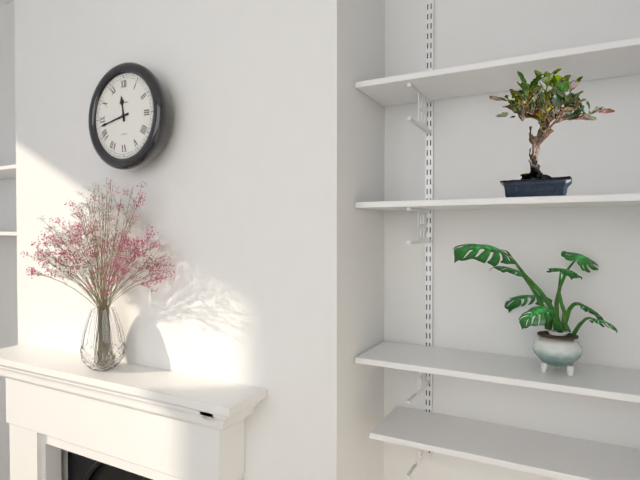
11:43
